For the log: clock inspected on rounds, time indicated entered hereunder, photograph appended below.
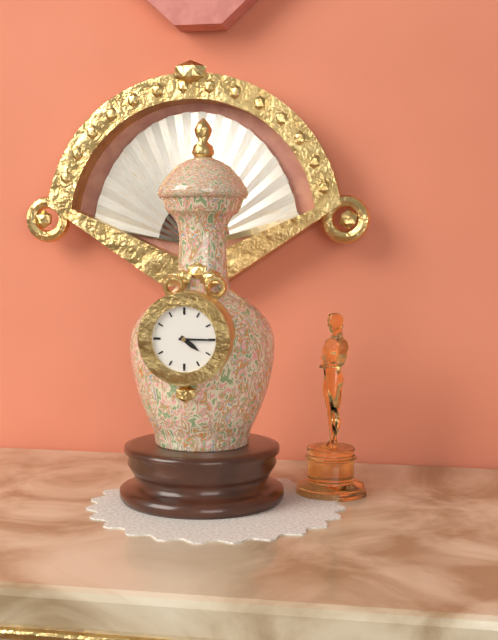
4:15
